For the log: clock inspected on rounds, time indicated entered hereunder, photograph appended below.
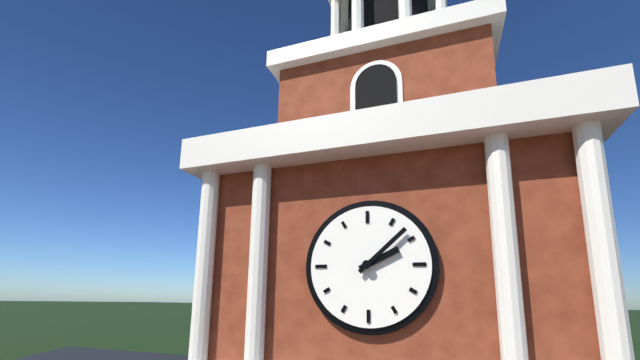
2:08
